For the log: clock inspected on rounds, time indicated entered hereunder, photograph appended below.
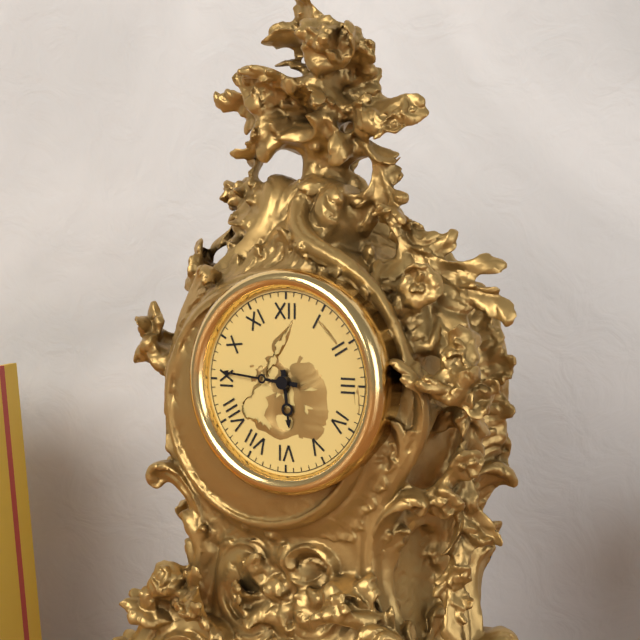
5:46
